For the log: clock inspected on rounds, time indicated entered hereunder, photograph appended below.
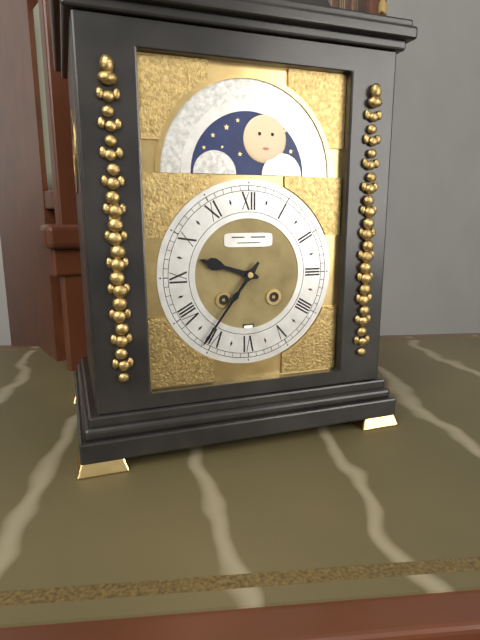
9:36
